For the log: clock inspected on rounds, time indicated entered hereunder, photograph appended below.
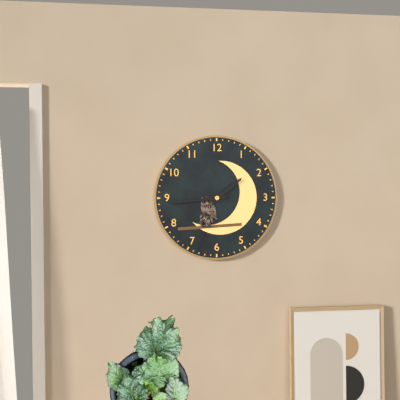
1:44
